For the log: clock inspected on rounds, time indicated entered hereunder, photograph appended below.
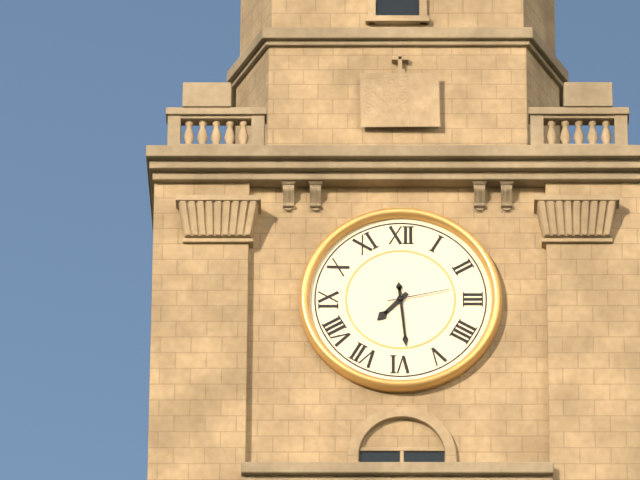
7:29:13
